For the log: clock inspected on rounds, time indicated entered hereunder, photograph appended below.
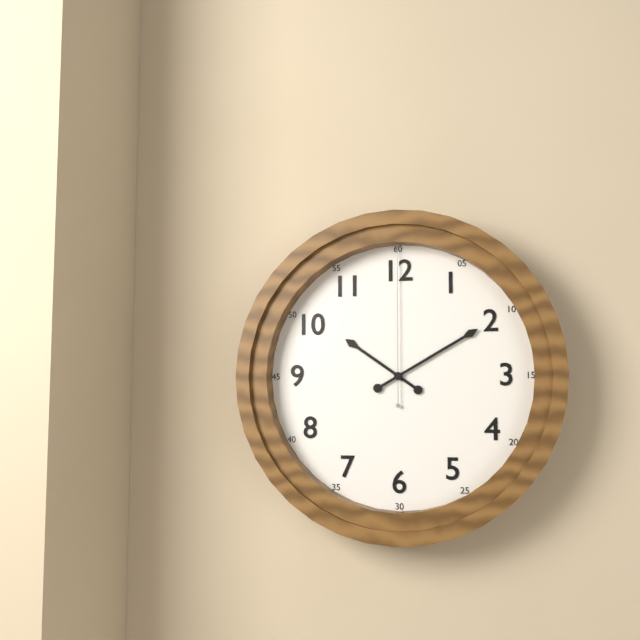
10:10:00
